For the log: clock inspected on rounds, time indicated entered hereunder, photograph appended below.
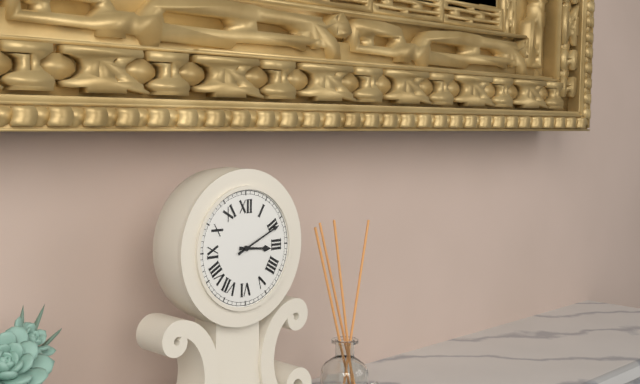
3:11
